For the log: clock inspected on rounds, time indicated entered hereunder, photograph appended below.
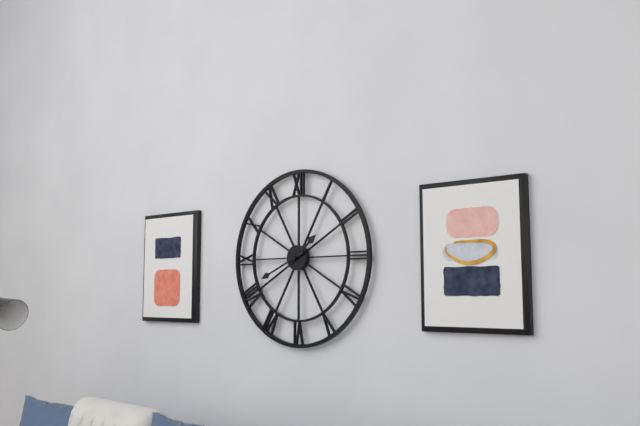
1:41
